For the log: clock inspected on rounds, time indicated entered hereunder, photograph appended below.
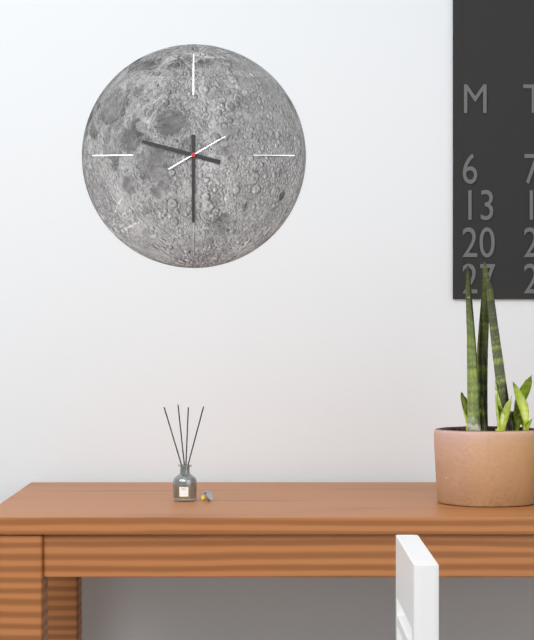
9:30
